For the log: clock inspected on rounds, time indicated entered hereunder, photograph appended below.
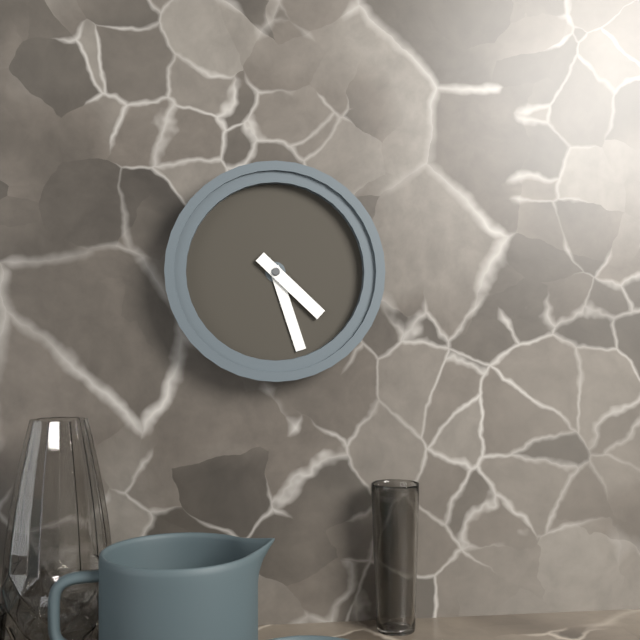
4:27
